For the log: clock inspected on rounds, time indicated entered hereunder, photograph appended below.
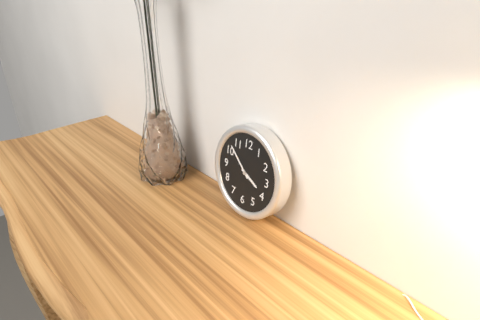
3:52
